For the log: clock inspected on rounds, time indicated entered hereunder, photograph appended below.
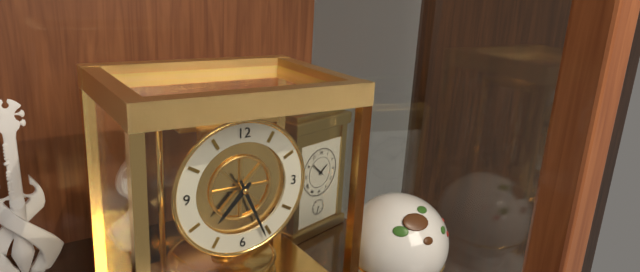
7:26
